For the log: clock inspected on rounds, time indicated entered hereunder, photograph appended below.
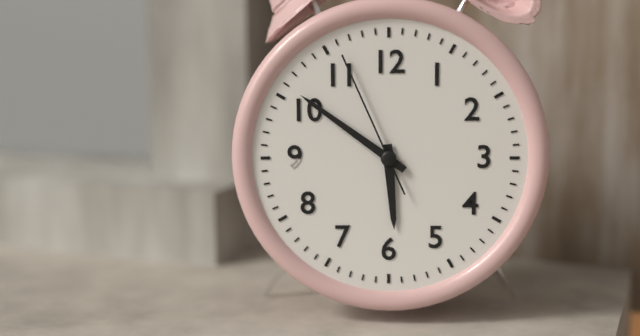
5:51:56
